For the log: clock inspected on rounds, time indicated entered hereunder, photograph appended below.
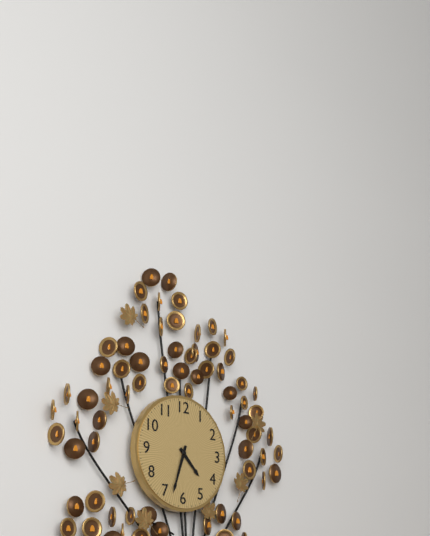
4:33
